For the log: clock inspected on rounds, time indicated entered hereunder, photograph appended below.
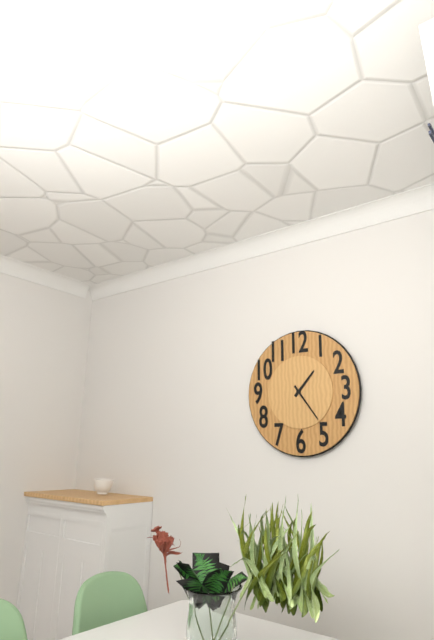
1:24
